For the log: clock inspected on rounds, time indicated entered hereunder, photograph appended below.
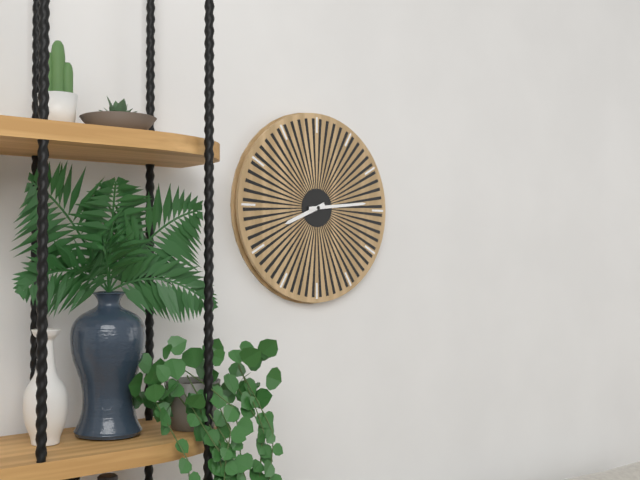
8:14
